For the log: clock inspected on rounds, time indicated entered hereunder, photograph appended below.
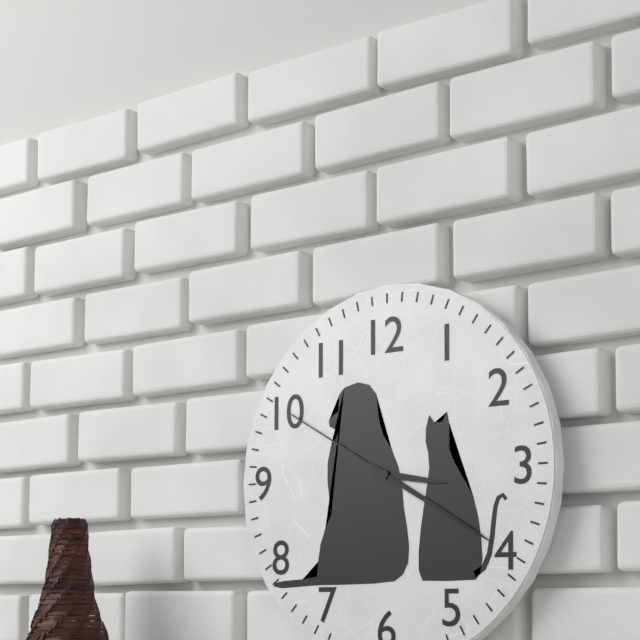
3:20:50
